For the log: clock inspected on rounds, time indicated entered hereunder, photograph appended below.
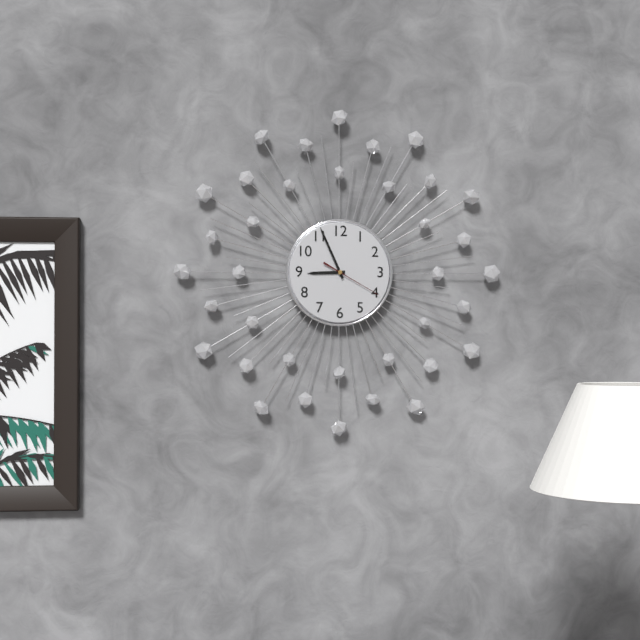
8:56:20
